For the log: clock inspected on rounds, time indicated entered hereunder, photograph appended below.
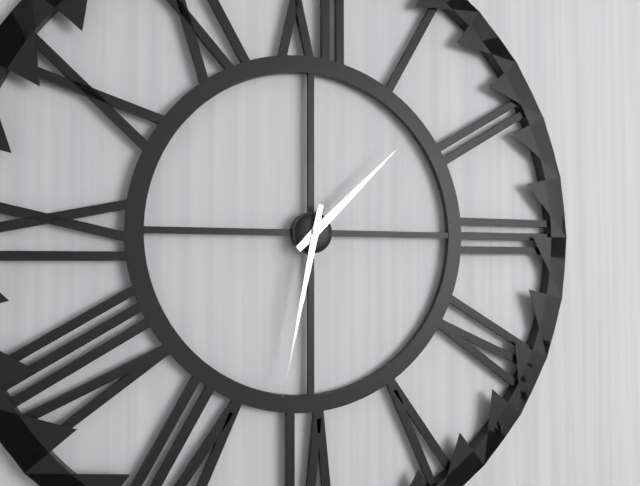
1:32
